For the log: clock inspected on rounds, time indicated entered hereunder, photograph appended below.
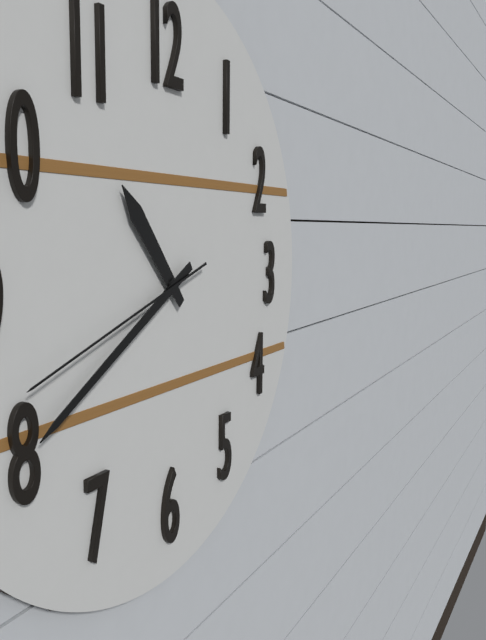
10:40:42
